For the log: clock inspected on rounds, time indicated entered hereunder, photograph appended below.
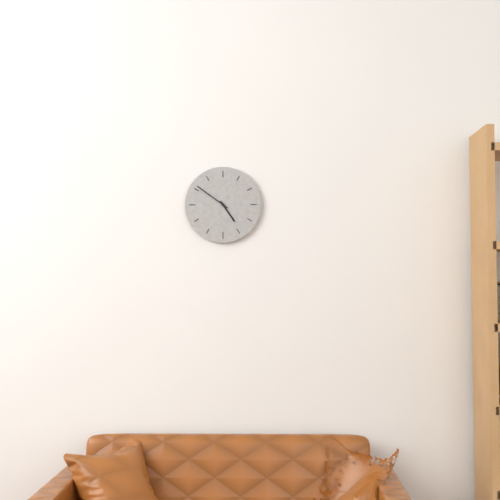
4:51
